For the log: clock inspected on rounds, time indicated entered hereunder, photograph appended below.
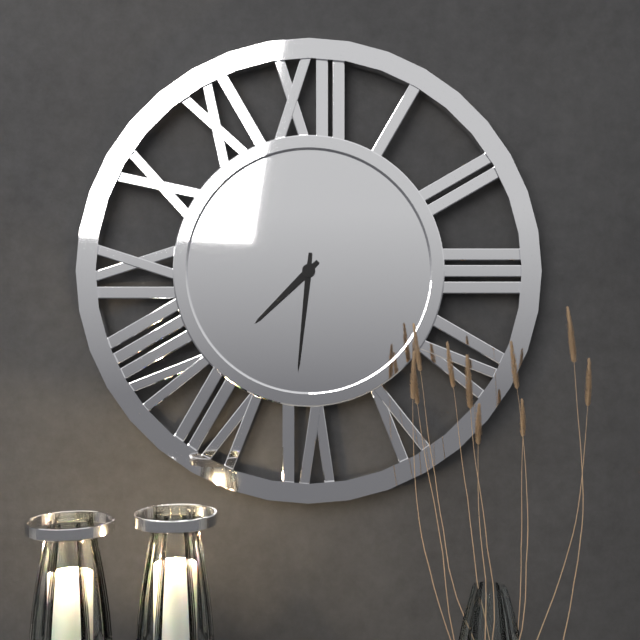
7:31
